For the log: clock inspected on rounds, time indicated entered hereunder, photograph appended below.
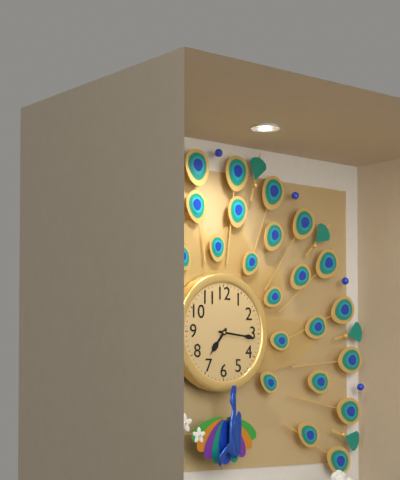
7:16
